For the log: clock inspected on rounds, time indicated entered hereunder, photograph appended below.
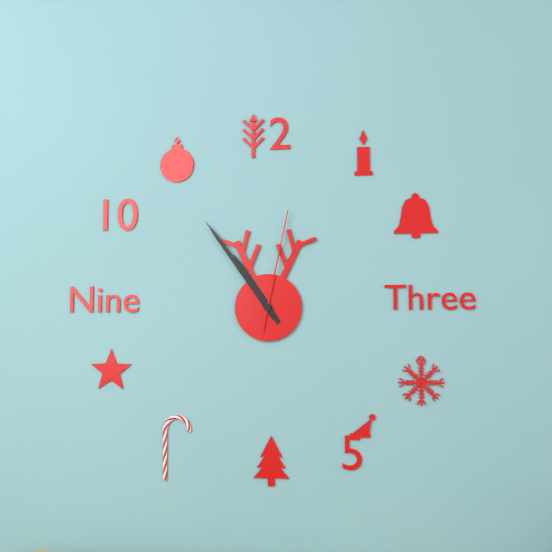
10:54:02
